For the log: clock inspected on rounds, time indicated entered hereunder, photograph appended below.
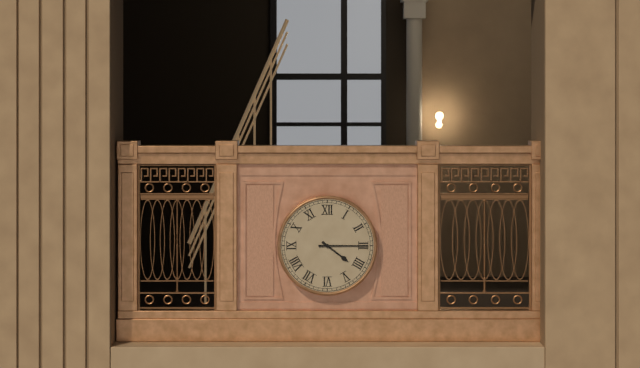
4:15
